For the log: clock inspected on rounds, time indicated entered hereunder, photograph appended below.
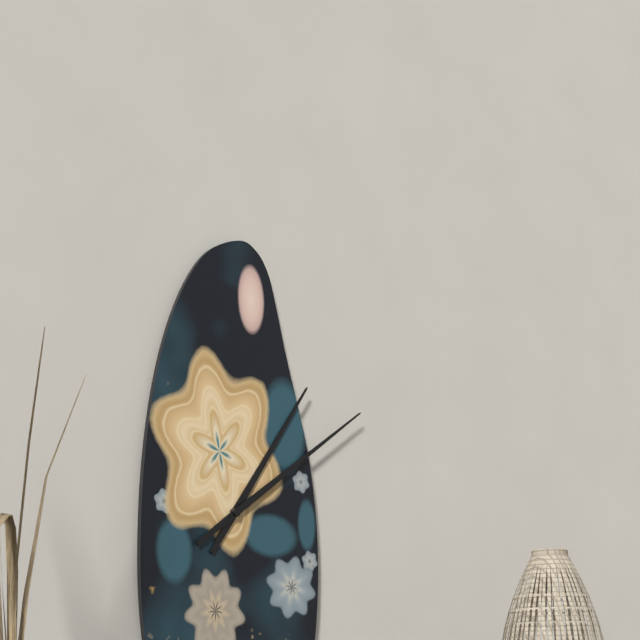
1:09
